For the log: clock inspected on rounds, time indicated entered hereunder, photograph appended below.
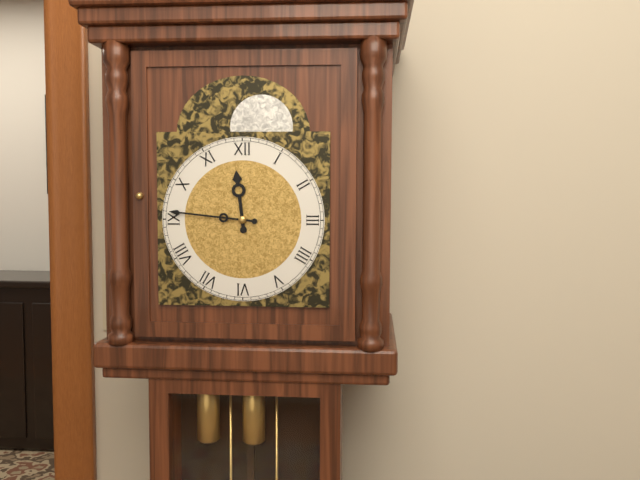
11:46
